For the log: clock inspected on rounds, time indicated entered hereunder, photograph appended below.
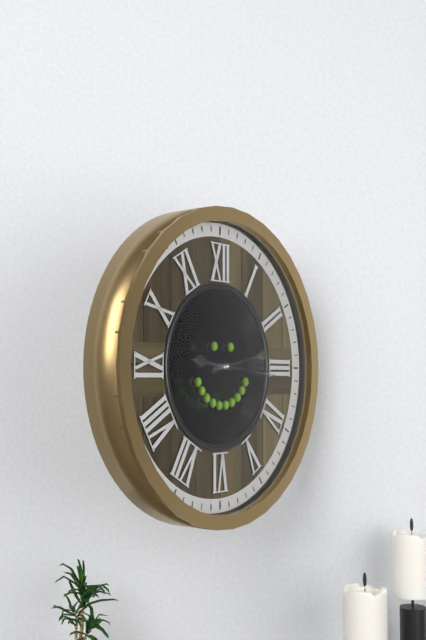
9:13:16
